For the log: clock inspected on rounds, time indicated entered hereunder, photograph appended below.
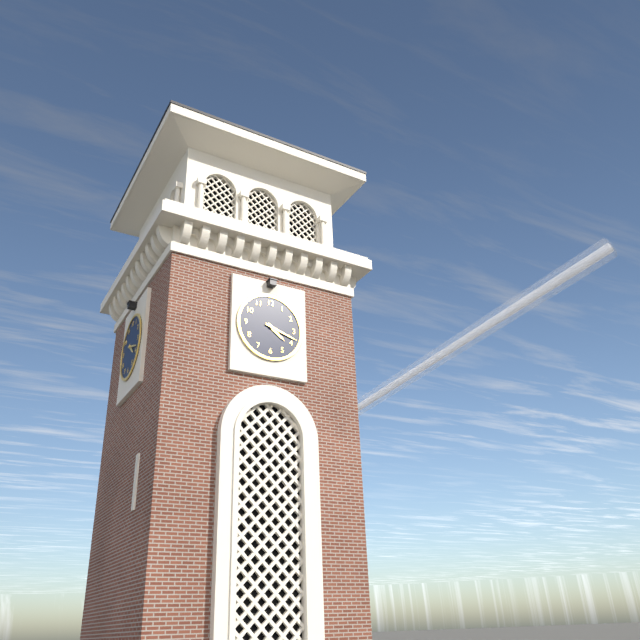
4:18
